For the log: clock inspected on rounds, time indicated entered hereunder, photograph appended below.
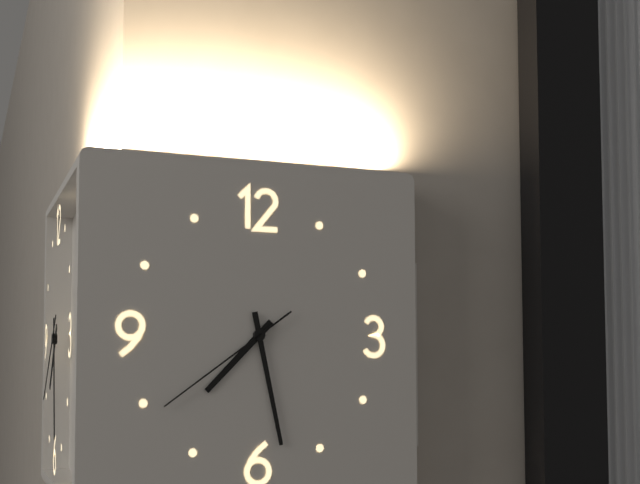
7:28:39
